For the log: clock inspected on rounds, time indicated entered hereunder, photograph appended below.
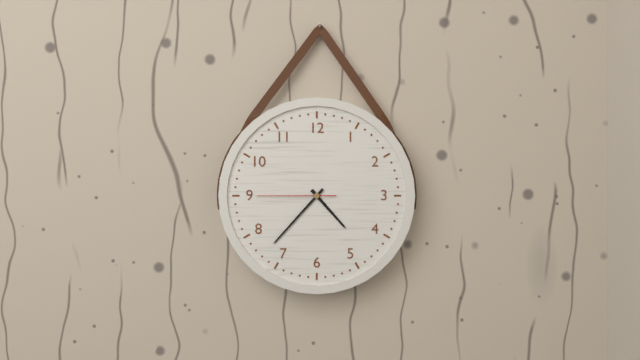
4:37:45
